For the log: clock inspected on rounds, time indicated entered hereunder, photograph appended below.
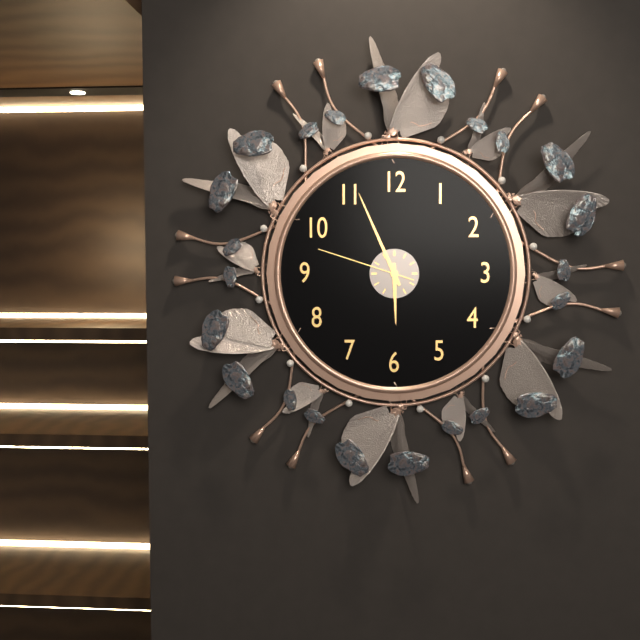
5:56:48
